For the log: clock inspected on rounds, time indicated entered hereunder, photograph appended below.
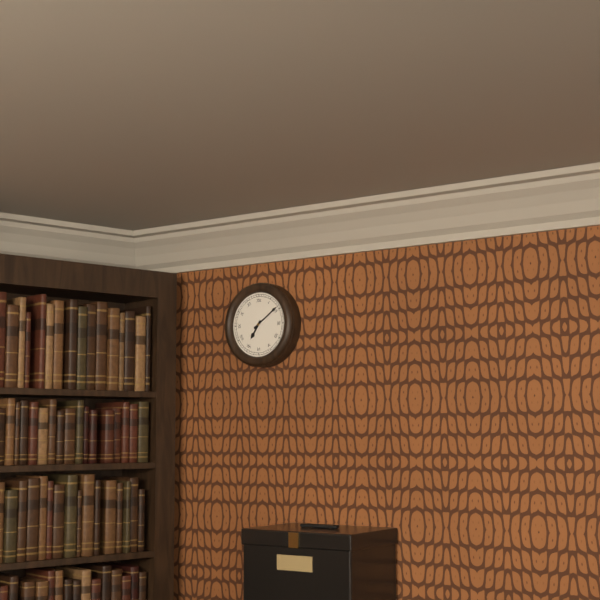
7:09
